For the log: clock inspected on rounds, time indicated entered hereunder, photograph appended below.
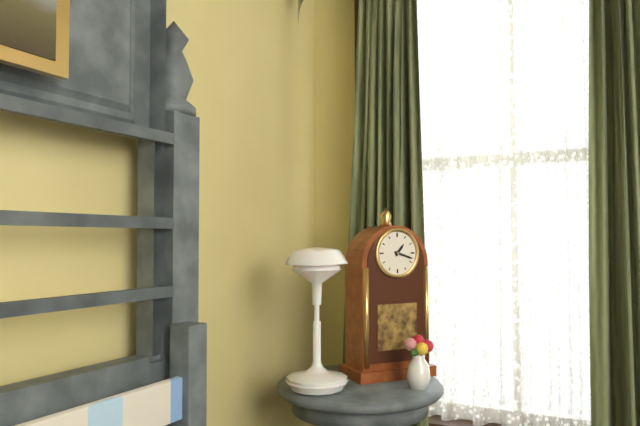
1:18
